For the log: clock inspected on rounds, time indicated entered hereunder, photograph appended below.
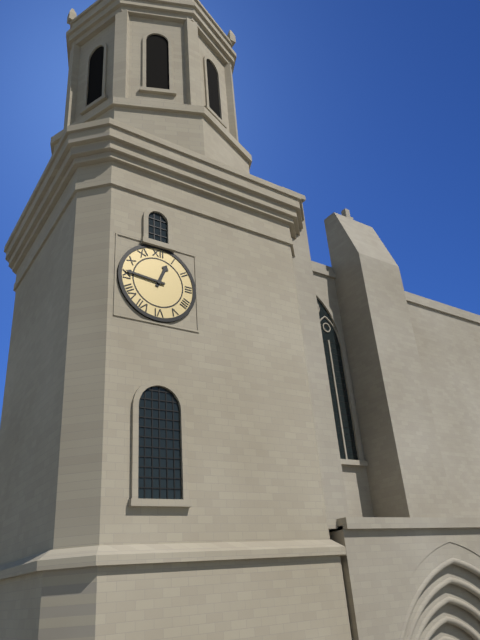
12:46
